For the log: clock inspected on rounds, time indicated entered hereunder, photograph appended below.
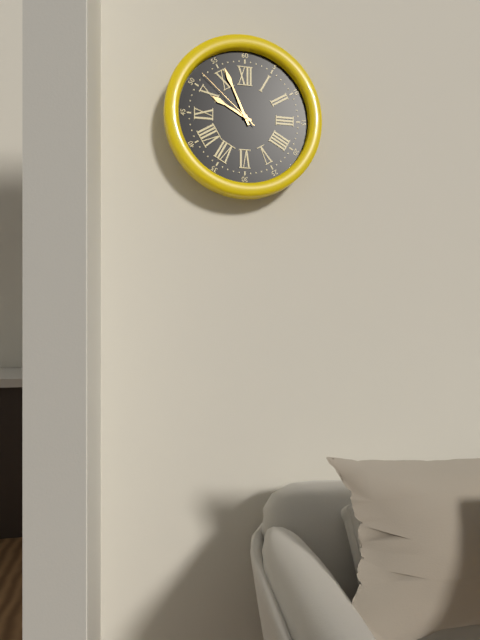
9:56:52
